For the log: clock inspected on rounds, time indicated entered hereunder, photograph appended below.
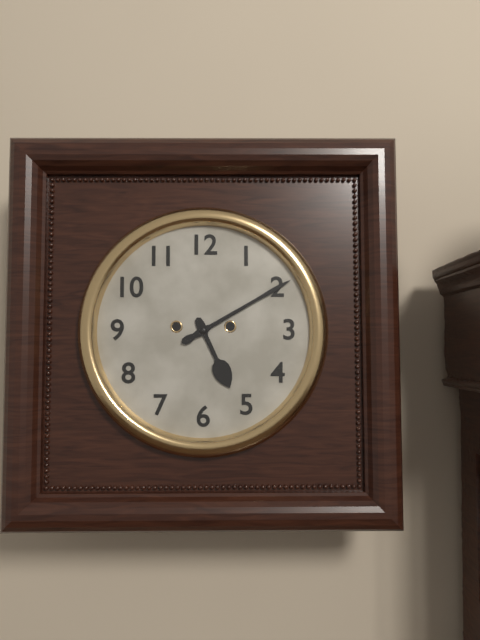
5:10
